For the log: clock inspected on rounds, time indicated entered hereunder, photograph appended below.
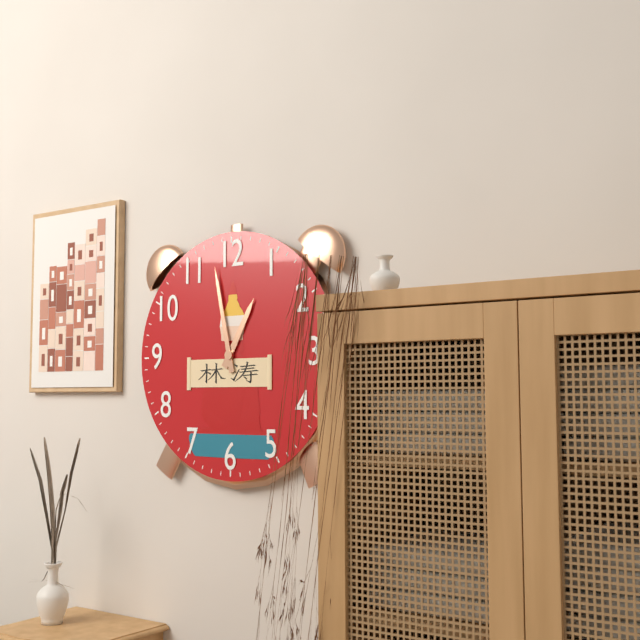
12:58
